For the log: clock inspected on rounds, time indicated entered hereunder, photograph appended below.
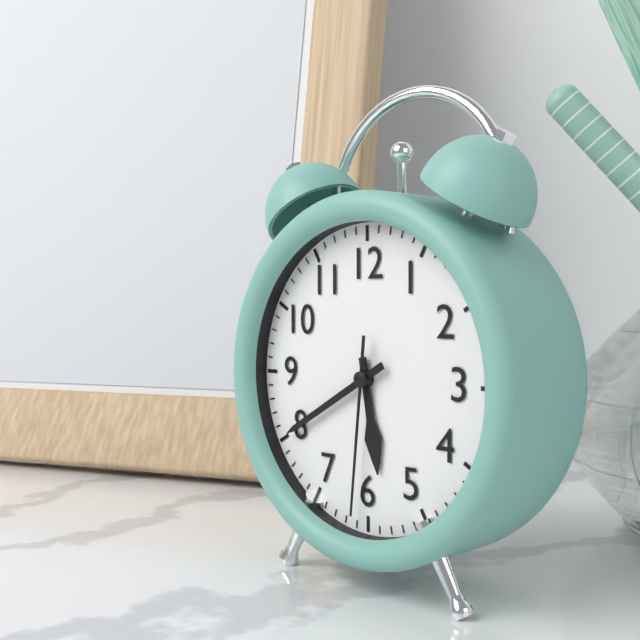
5:40:31
